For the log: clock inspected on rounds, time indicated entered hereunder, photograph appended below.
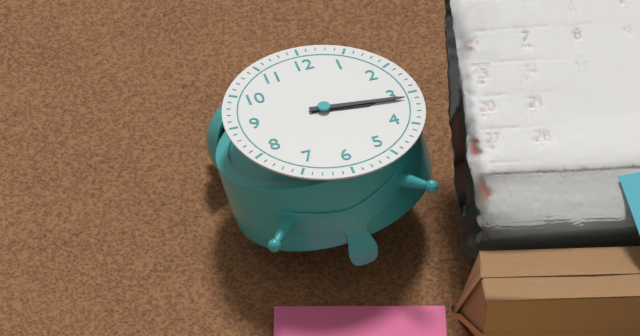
3:16
